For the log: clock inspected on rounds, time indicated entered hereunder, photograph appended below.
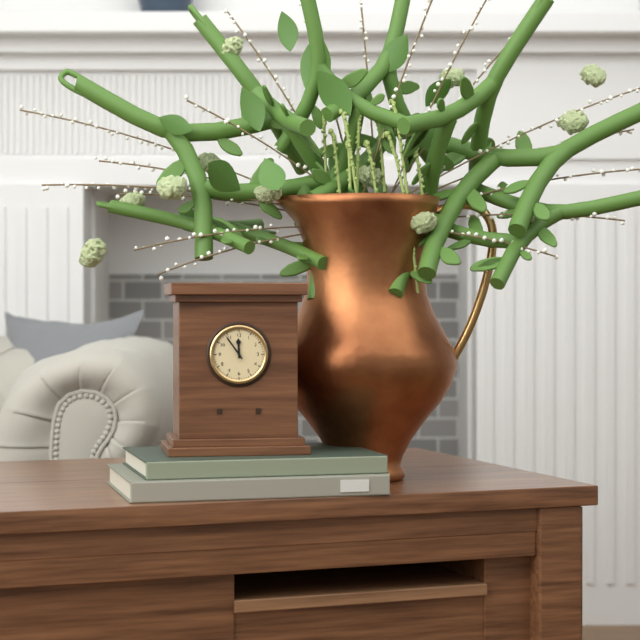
11:54
